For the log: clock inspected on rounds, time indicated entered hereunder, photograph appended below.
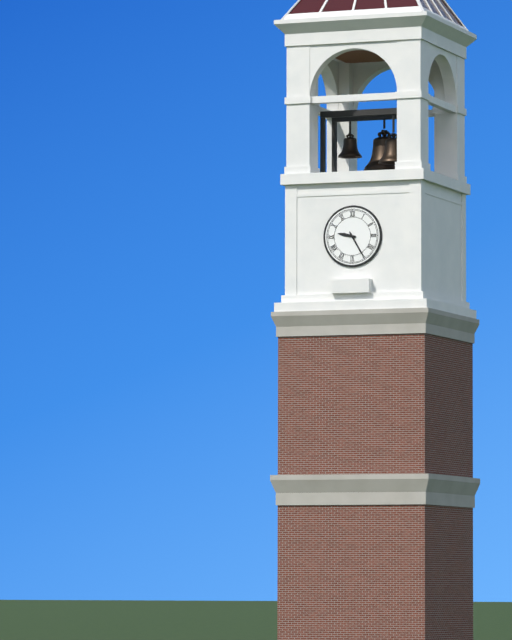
9:25
